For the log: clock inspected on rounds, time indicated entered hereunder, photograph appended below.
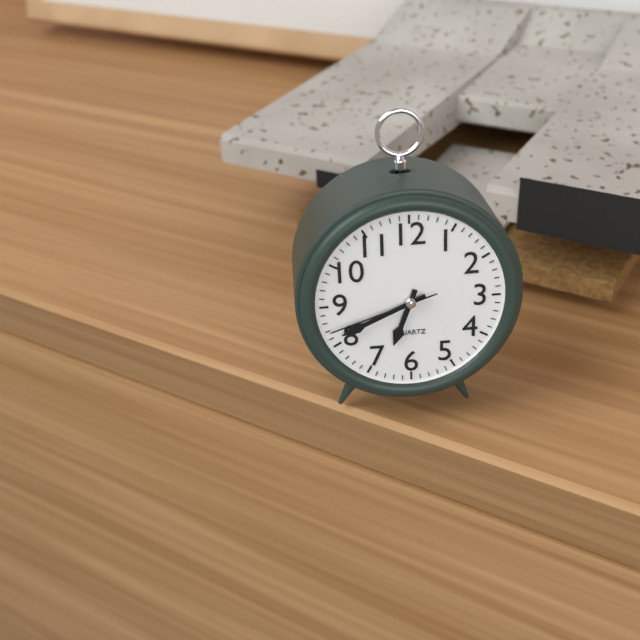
6:41:42
